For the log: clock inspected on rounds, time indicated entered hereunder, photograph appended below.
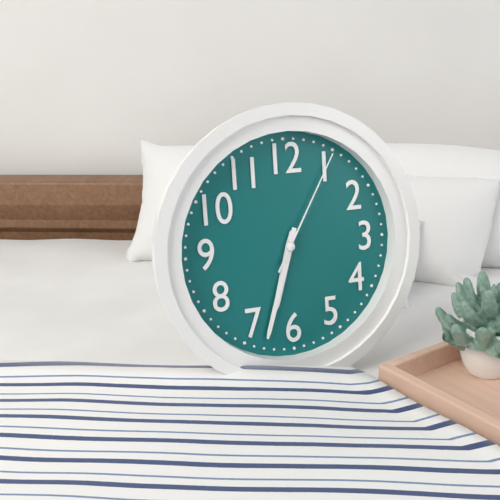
6:33:05
